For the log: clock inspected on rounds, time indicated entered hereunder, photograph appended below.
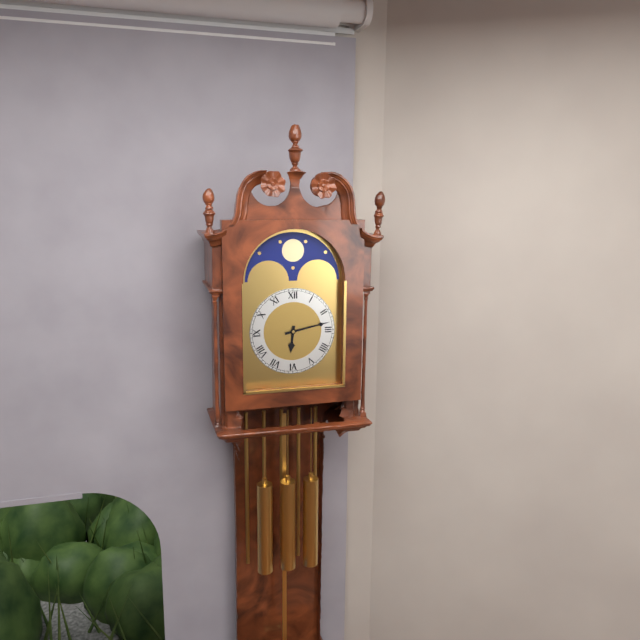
6:13
